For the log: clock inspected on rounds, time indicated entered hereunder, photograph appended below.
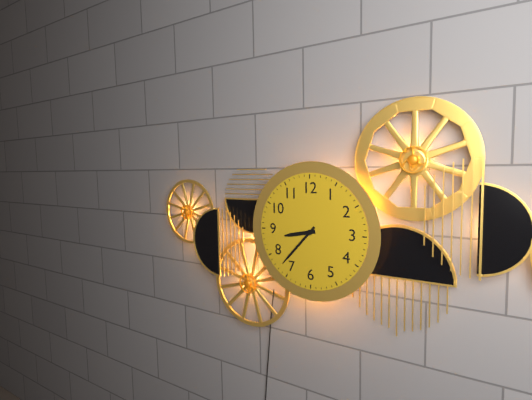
8:37
